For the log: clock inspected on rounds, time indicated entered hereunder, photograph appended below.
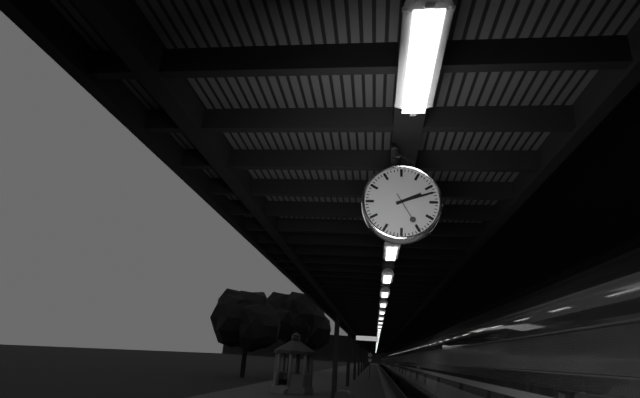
2:12
